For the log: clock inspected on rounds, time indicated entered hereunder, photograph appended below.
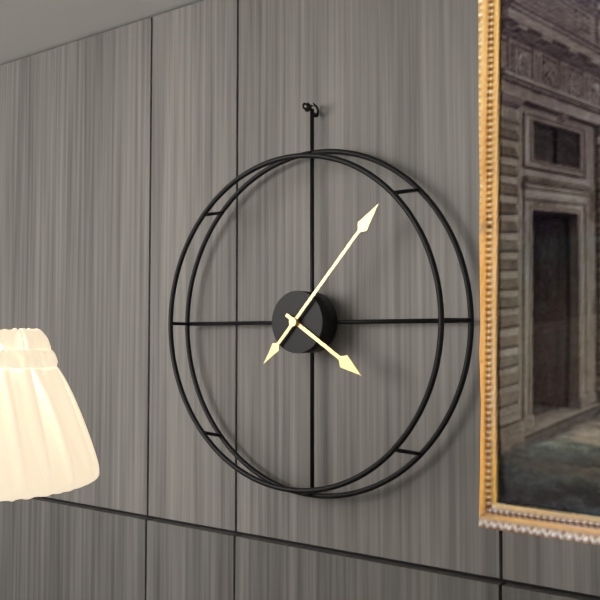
4:07
